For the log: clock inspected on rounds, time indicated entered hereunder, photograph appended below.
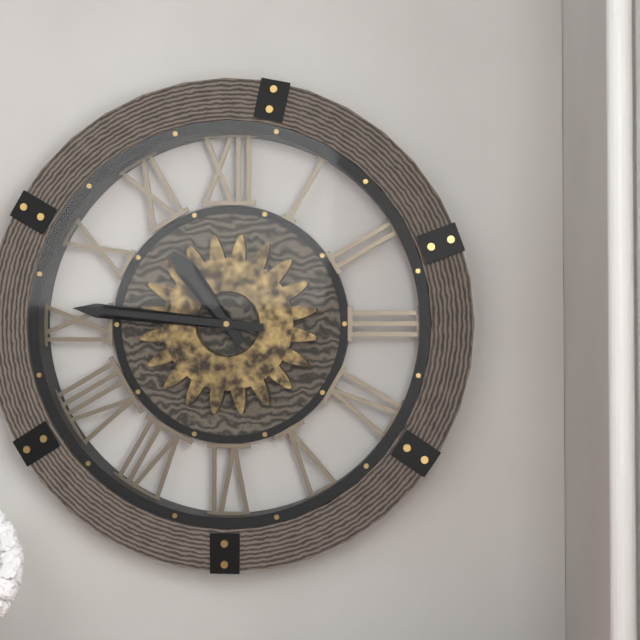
10:46
